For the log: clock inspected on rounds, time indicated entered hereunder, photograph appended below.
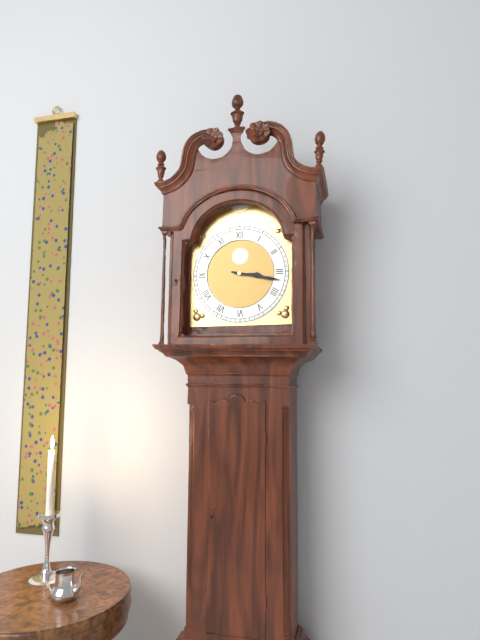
3:17
